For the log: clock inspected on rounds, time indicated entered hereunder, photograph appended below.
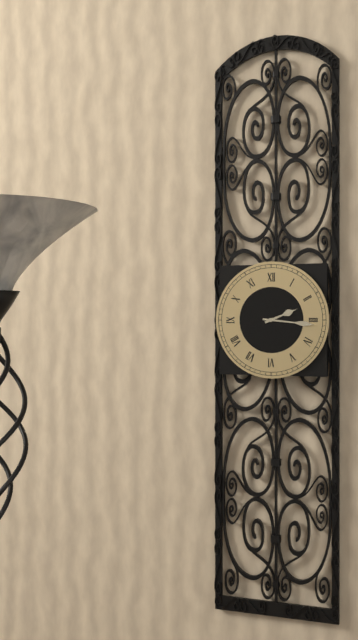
2:16
